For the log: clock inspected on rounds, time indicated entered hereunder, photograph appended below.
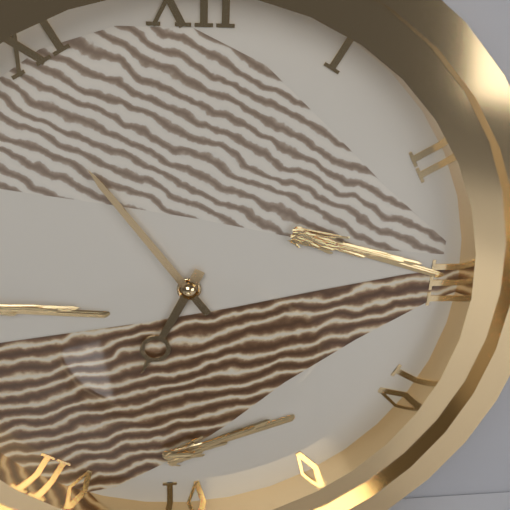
6:54
